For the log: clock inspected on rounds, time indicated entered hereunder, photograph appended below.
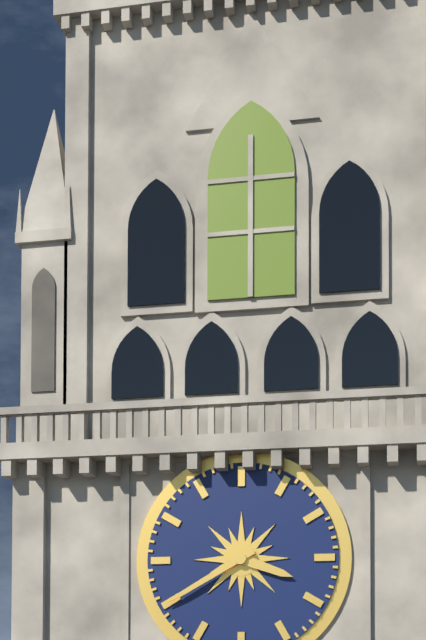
3:40
